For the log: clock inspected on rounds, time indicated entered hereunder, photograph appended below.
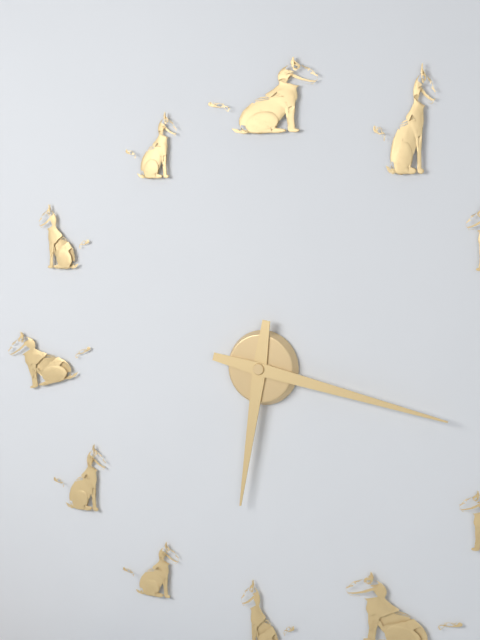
6:17
